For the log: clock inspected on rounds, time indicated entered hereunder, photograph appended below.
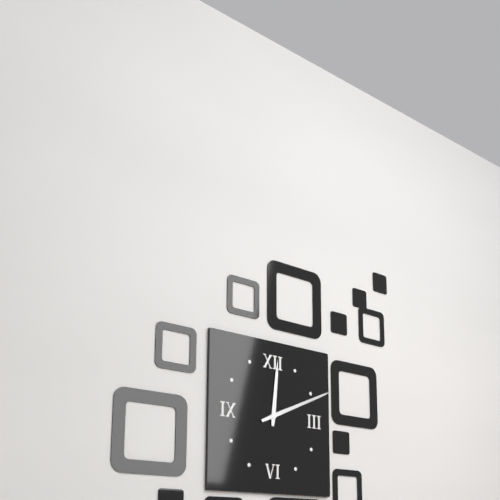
12:11
